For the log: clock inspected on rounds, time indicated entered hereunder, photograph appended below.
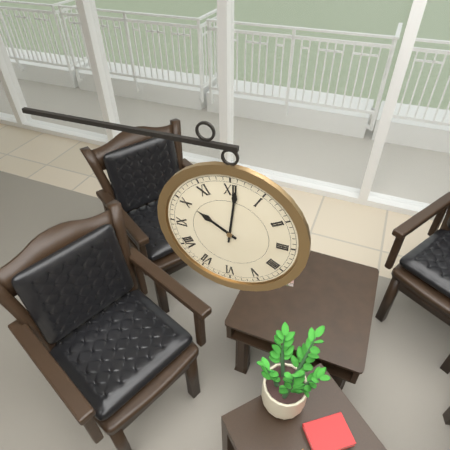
10:01
